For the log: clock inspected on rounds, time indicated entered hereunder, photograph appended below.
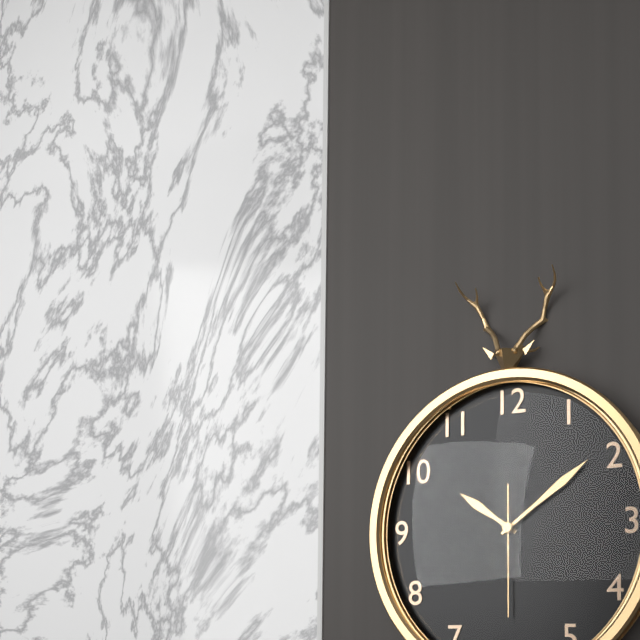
10:09:30
